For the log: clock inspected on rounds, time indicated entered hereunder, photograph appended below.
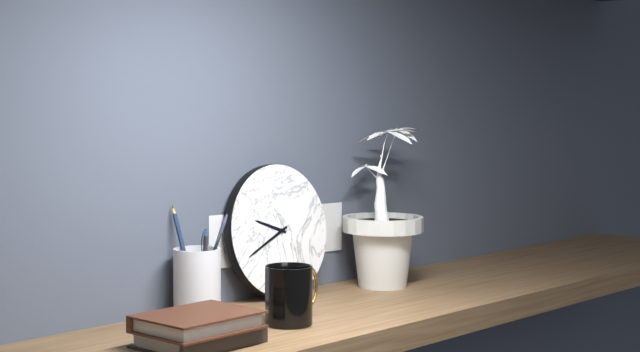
9:41
